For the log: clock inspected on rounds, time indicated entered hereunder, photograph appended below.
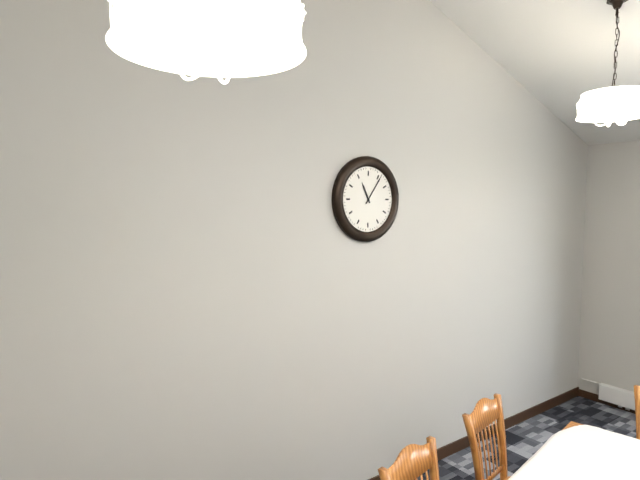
11:06
